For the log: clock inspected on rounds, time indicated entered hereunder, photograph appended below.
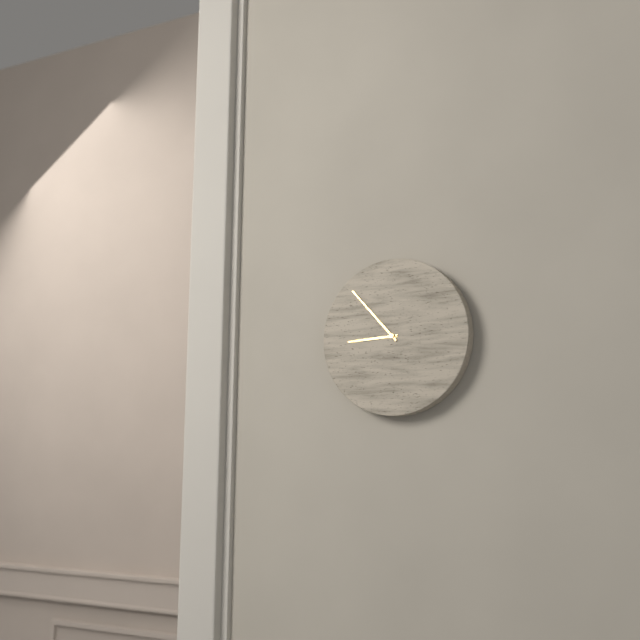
8:53
